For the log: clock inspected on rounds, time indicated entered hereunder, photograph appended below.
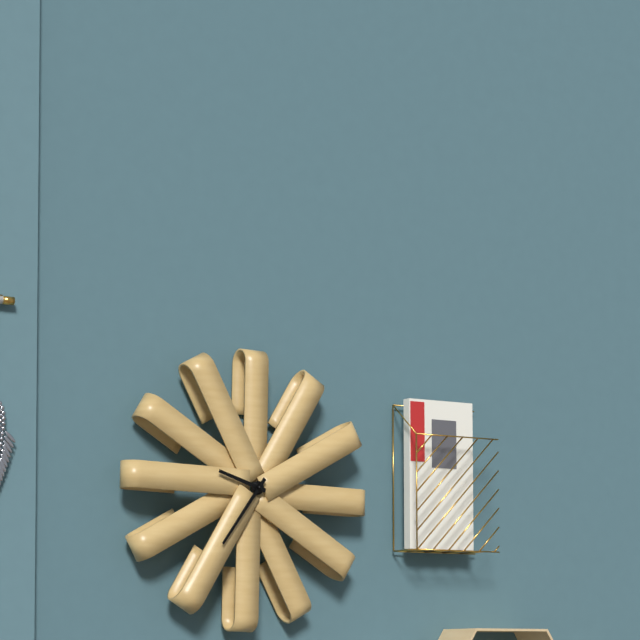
9:36
